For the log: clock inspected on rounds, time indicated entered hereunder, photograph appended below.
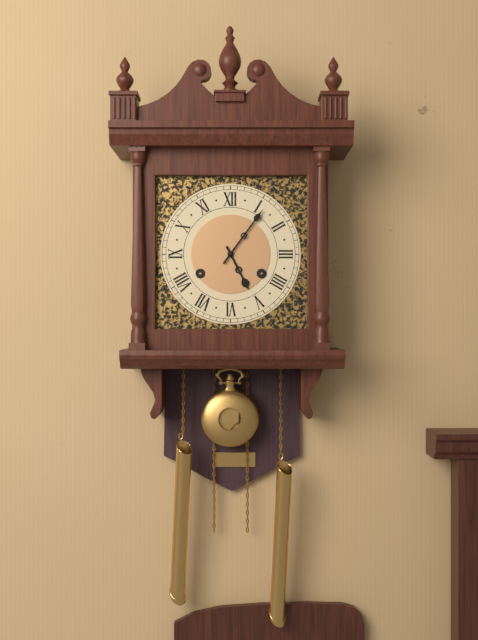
5:06
